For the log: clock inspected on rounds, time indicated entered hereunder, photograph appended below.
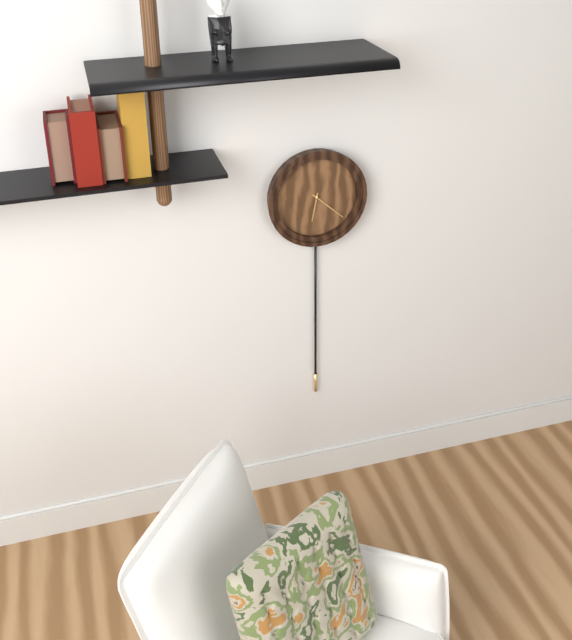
6:22
